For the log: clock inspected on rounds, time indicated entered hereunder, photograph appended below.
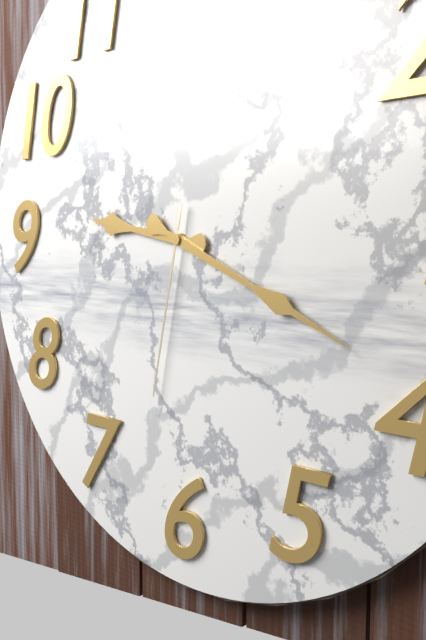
9:19:32
